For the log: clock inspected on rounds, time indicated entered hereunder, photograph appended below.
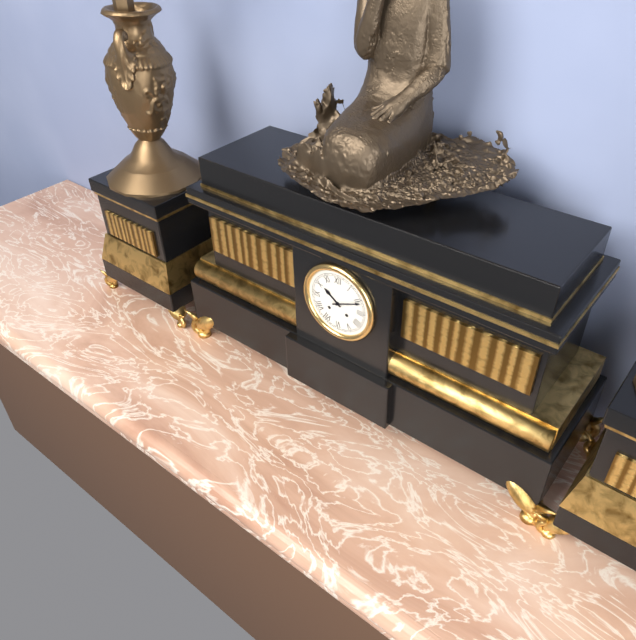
10:11
